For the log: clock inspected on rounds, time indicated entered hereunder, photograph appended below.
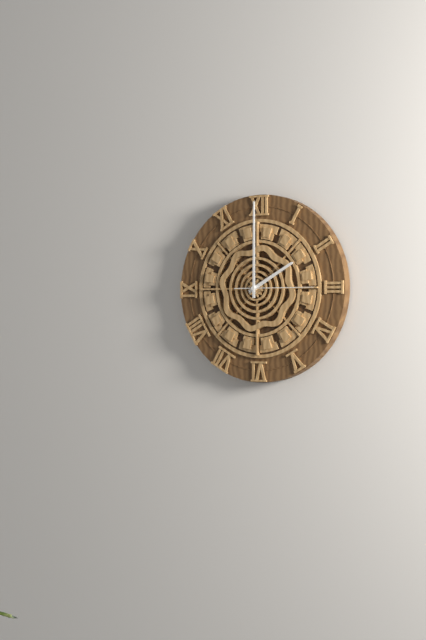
2:00:15
